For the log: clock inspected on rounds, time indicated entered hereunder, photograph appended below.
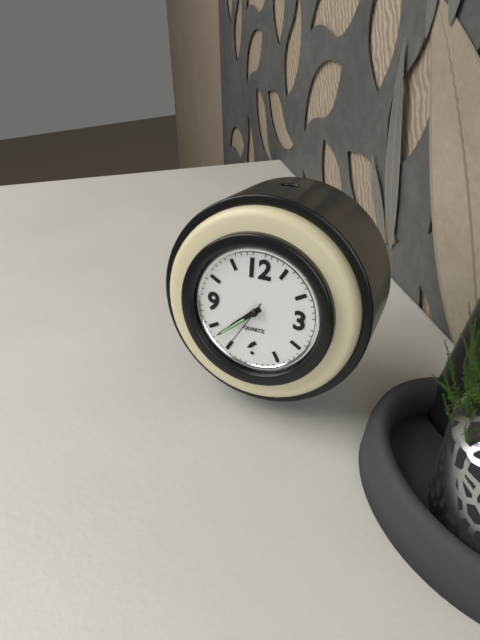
7:38:35
